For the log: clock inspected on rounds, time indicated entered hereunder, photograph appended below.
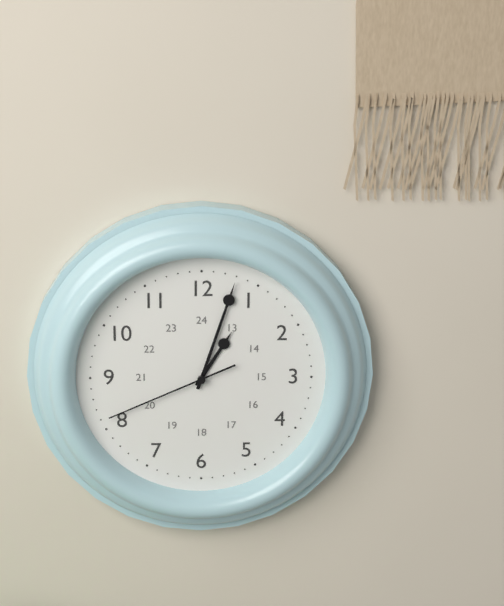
1:03:41
